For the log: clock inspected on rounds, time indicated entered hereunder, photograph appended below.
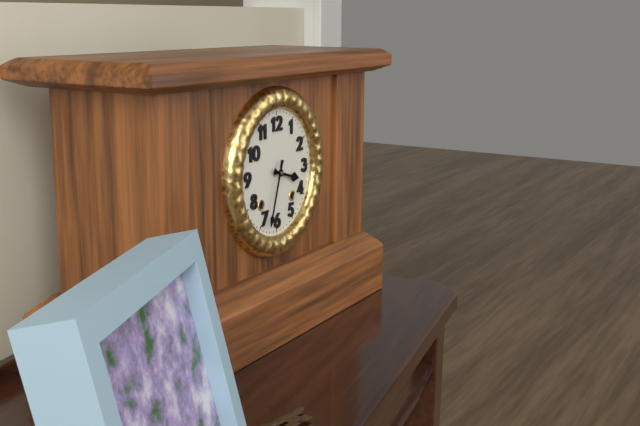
3:33
